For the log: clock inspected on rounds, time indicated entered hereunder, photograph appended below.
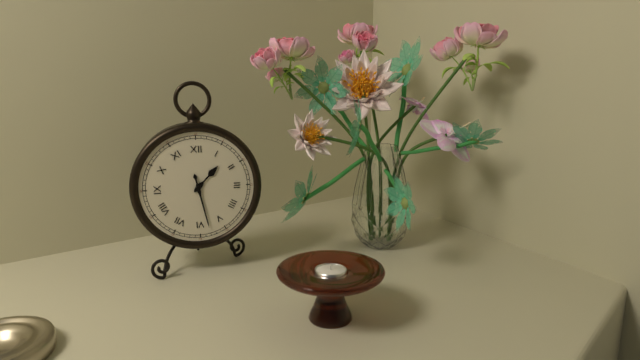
1:28
